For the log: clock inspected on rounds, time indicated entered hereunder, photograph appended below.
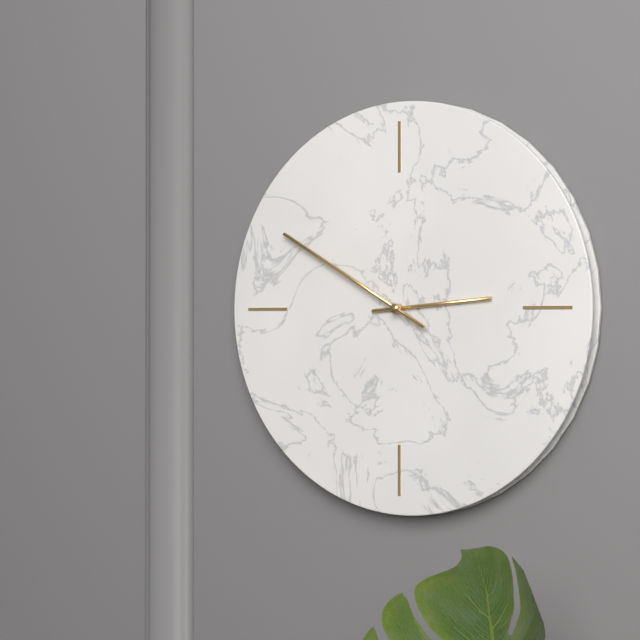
2:50
